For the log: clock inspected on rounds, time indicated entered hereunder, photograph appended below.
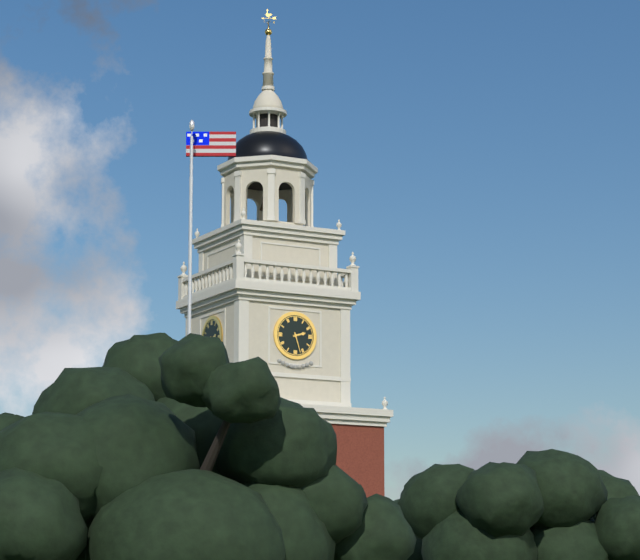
2:27
